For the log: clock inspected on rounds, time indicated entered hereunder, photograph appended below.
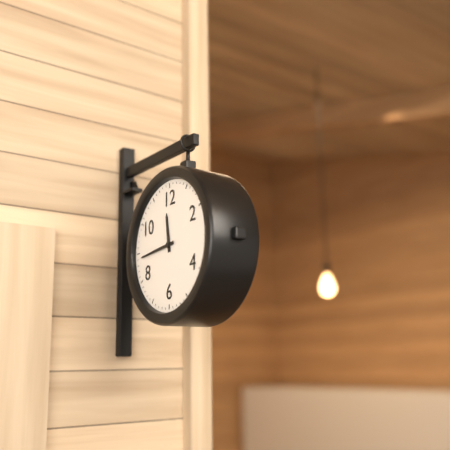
11:44
